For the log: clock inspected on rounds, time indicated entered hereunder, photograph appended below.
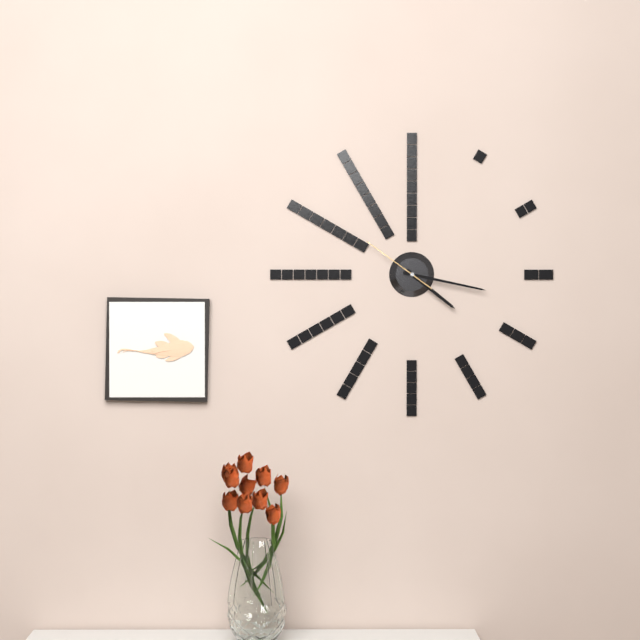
4:17:51
